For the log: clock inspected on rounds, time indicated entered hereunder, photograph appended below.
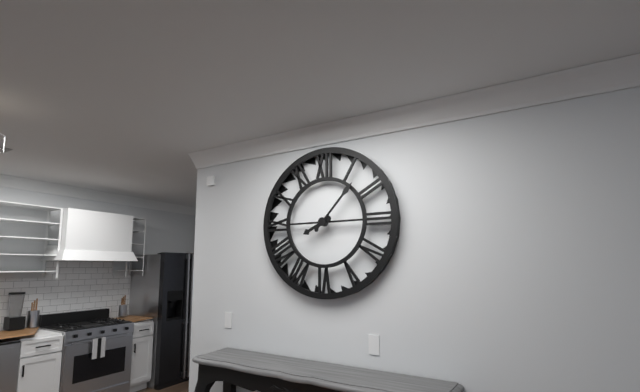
8:07
